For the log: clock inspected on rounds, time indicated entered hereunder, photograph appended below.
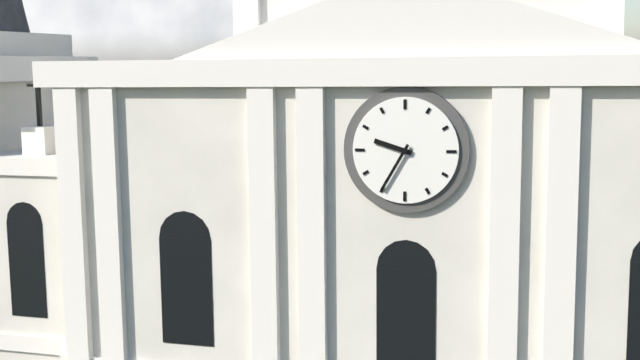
9:35
